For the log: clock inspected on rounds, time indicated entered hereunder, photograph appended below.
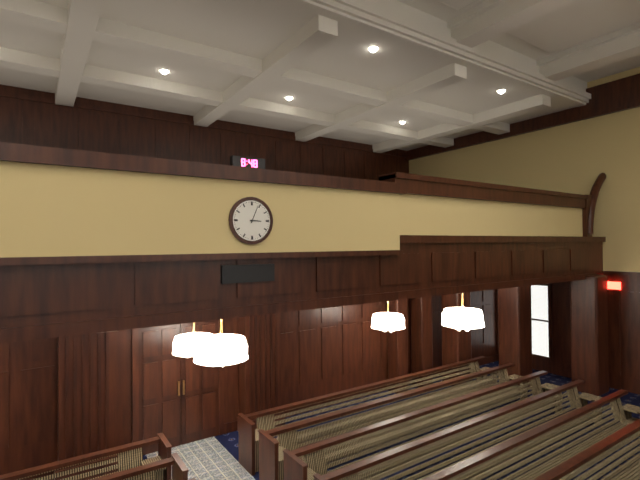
3:04
